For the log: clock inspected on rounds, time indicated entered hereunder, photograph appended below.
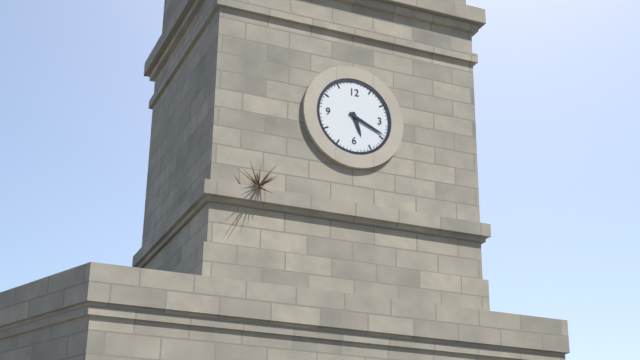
5:19
